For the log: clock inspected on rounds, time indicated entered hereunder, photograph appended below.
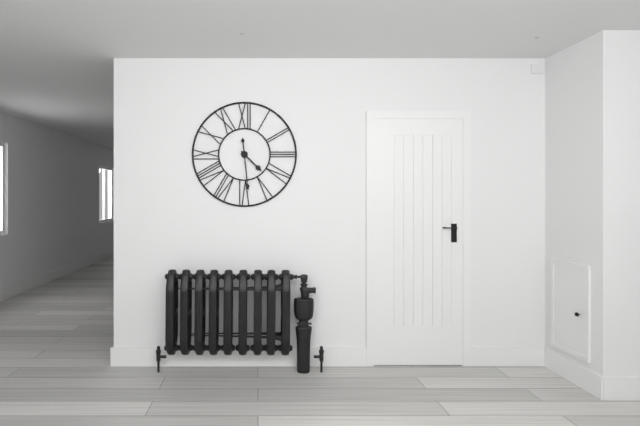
4:29
